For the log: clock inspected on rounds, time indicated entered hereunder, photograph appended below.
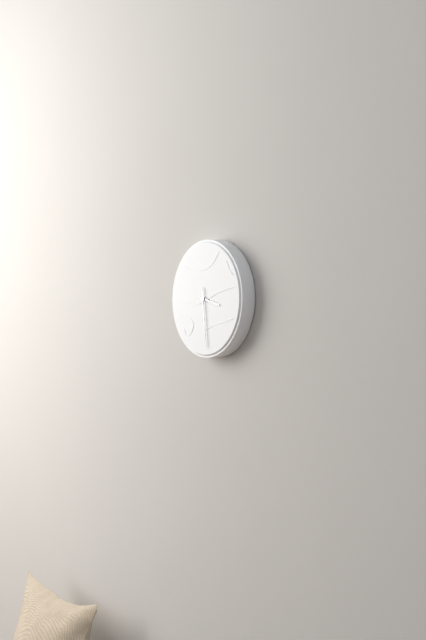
3:29
